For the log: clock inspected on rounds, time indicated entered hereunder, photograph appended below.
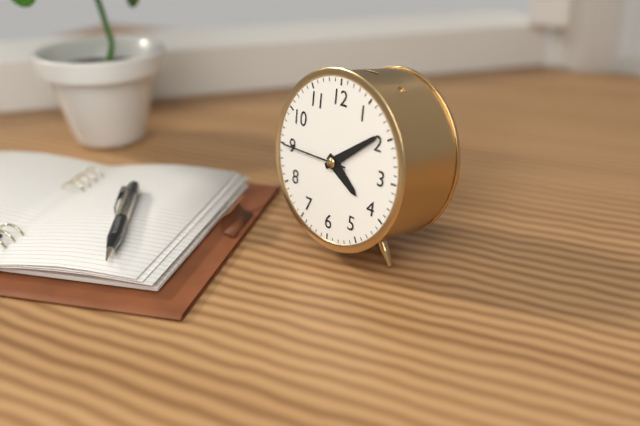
4:09:45
